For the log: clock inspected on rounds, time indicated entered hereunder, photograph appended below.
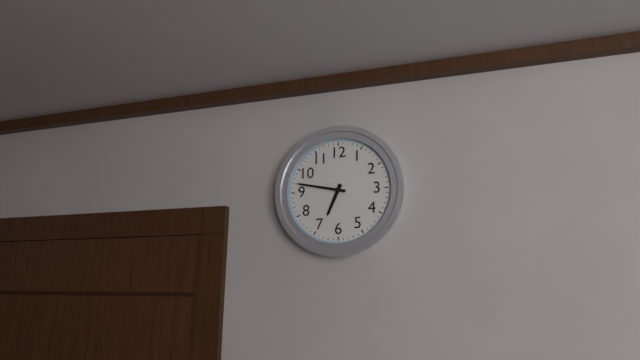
6:47
